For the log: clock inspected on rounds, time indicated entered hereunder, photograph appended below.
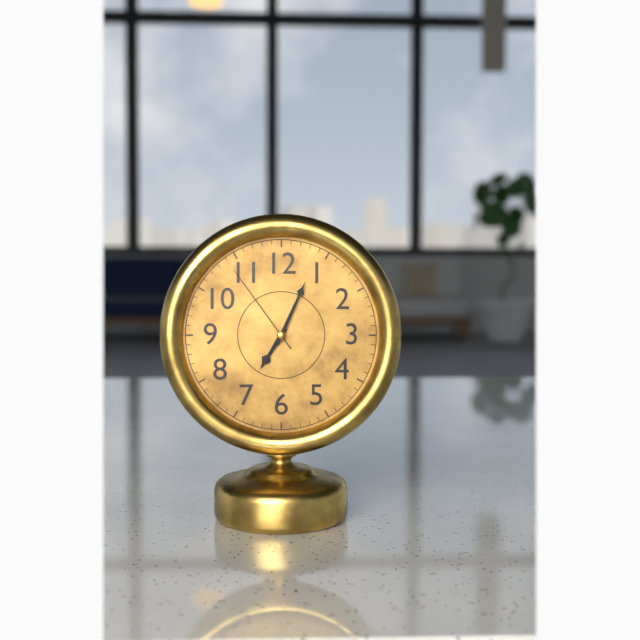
7:04:54
